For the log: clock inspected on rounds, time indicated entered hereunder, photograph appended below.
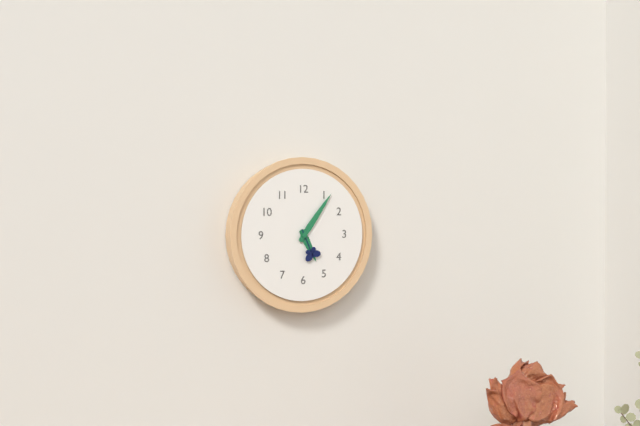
5:06
